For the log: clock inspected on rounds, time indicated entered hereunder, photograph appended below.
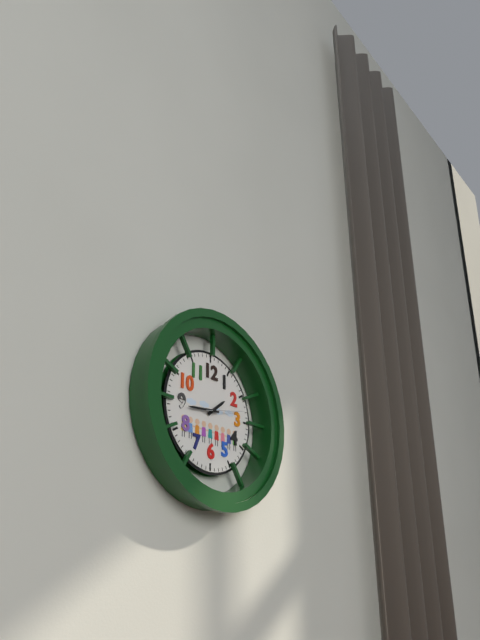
1:44
